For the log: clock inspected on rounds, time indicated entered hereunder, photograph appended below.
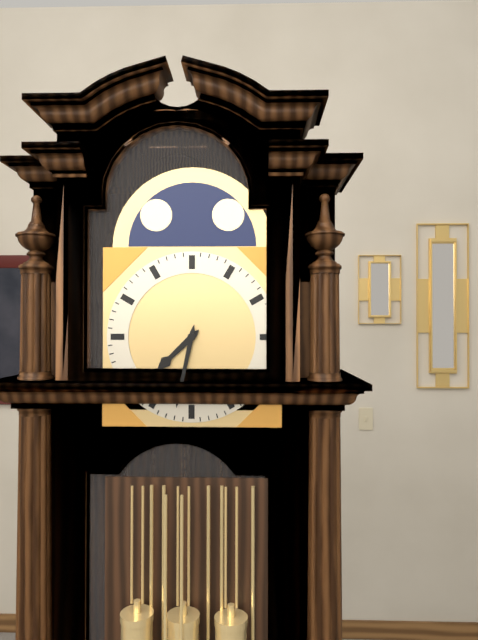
7:32
